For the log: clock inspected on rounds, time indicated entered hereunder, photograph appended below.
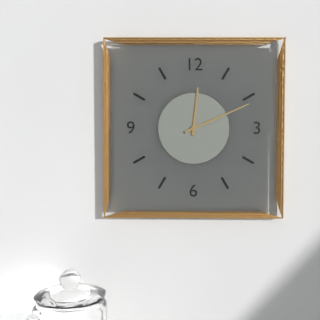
12:11
